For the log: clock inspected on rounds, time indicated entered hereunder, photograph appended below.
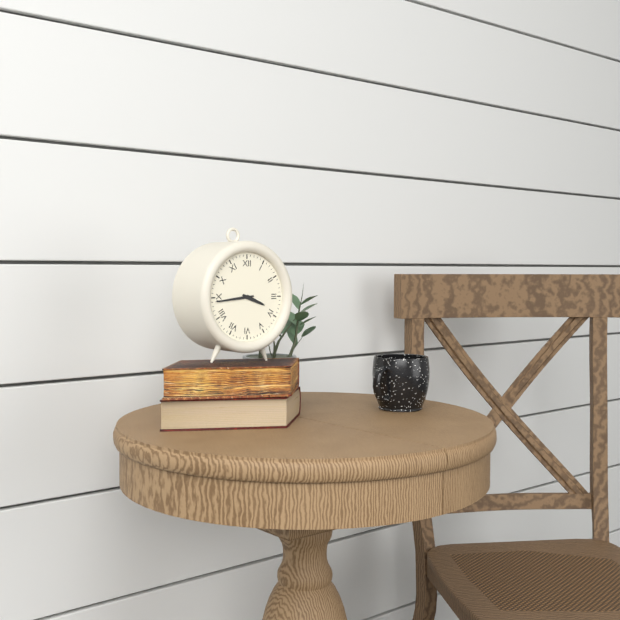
3:44
